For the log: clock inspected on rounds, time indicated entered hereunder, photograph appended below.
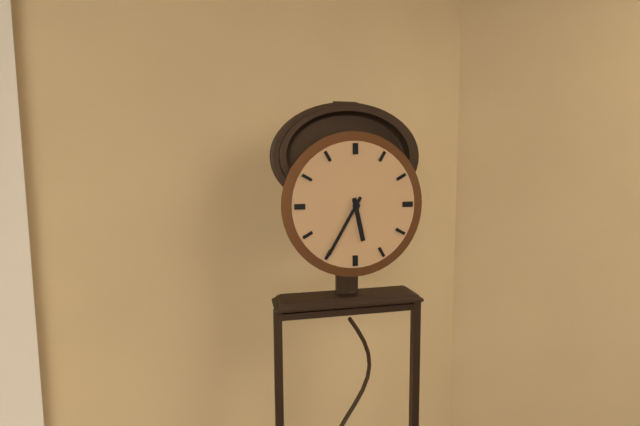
5:35
